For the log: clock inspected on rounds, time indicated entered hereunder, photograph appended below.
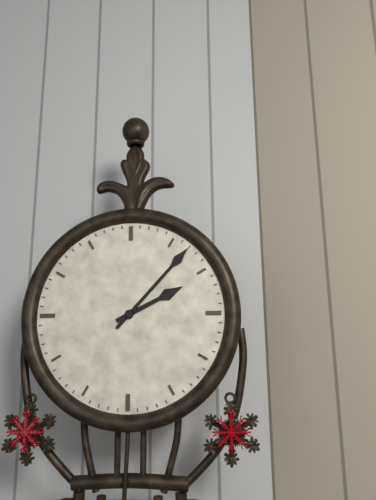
2:07
